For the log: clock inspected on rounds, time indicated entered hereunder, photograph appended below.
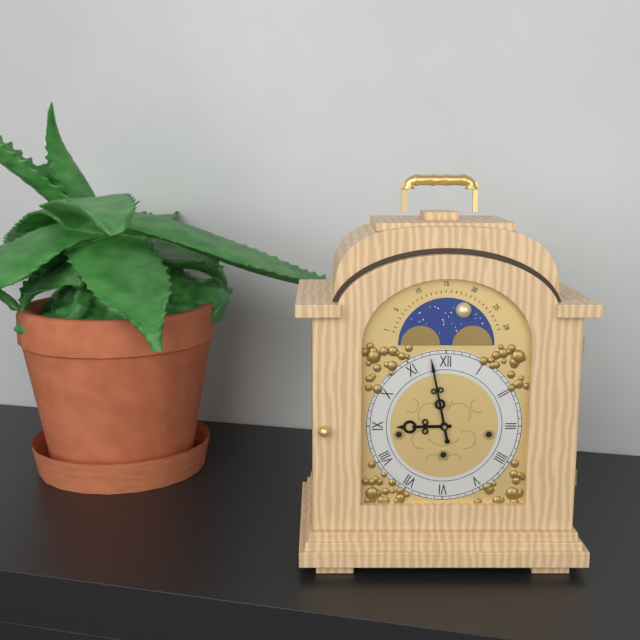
8:58
